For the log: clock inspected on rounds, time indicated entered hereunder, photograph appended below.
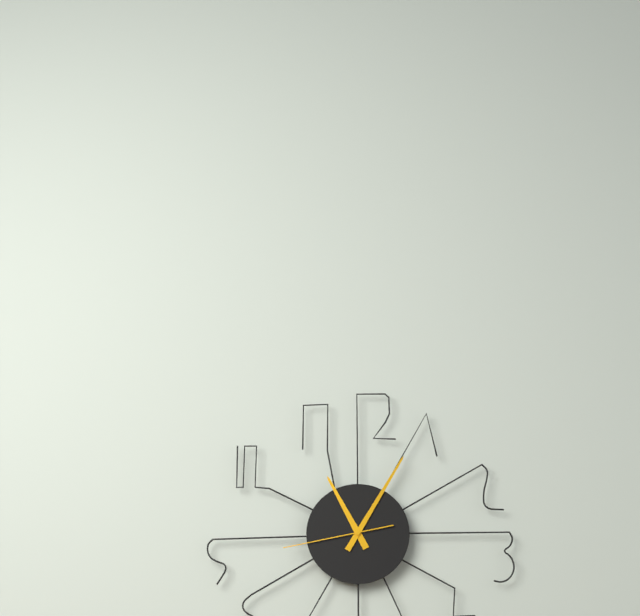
11:05:43
